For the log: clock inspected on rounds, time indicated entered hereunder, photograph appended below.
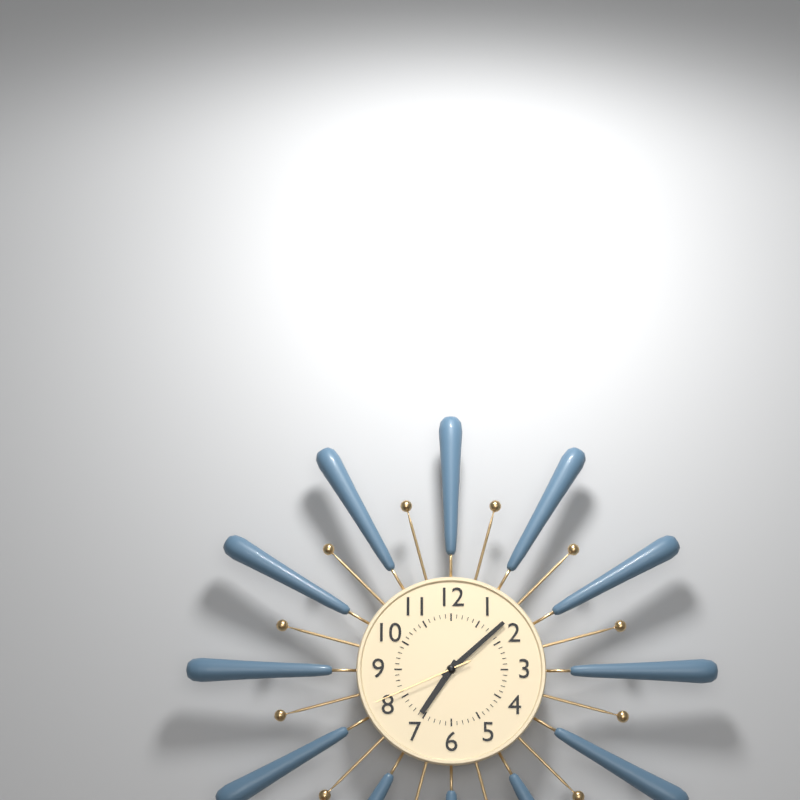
7:08:41
